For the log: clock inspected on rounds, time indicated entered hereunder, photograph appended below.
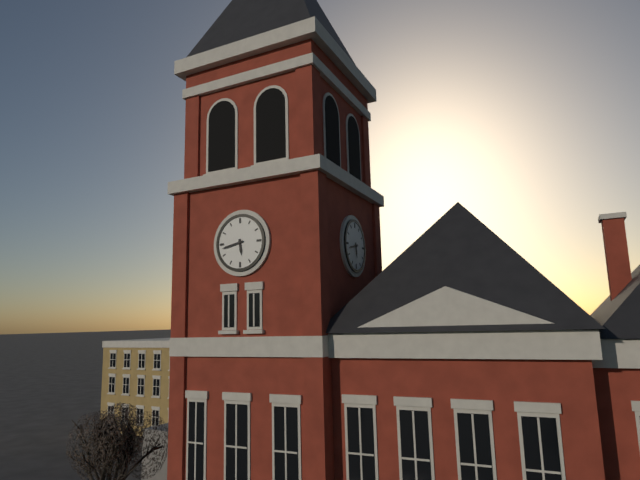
5:43
